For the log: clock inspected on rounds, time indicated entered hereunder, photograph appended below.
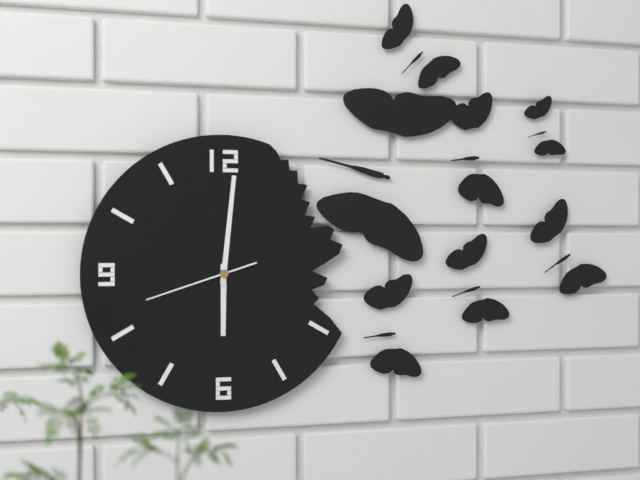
6:01:42
